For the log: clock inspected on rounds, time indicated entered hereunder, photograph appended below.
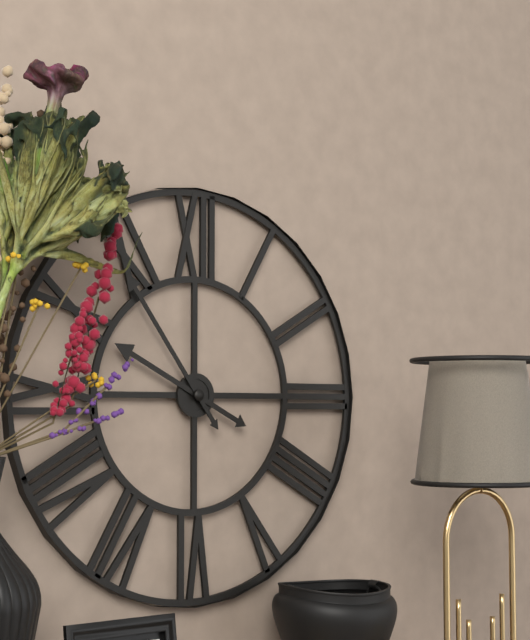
9:54
